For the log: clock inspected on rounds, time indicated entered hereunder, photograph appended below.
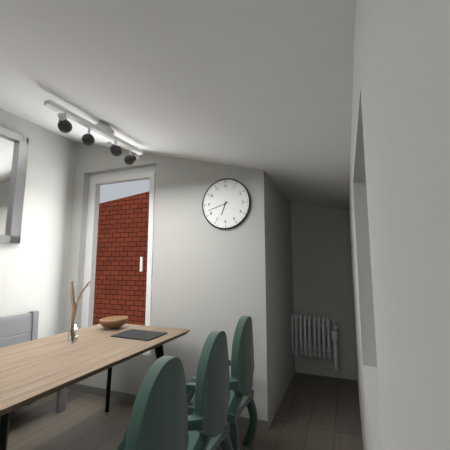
6:42
